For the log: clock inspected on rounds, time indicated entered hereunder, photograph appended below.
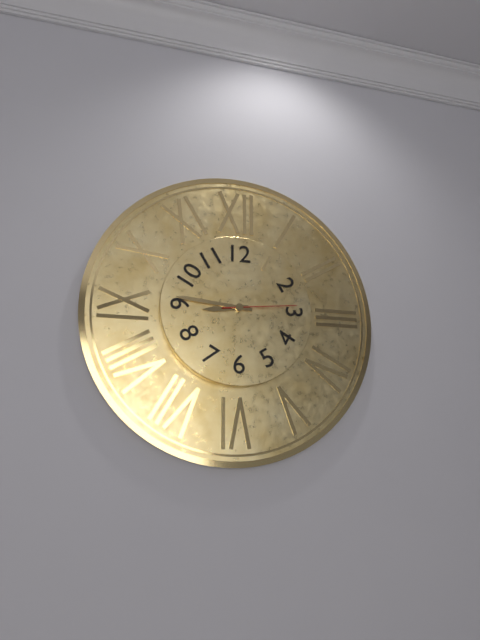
8:46:14
